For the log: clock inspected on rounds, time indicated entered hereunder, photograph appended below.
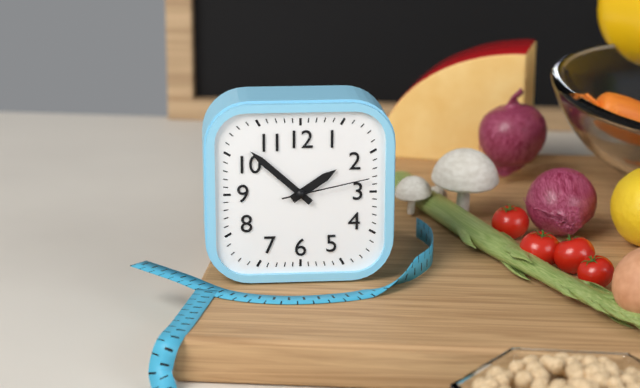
1:52:13
